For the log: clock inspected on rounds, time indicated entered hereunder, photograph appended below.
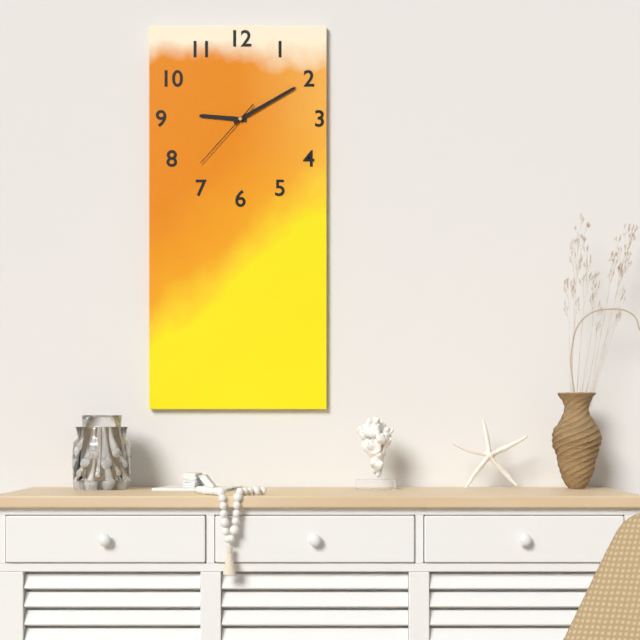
9:10:37
